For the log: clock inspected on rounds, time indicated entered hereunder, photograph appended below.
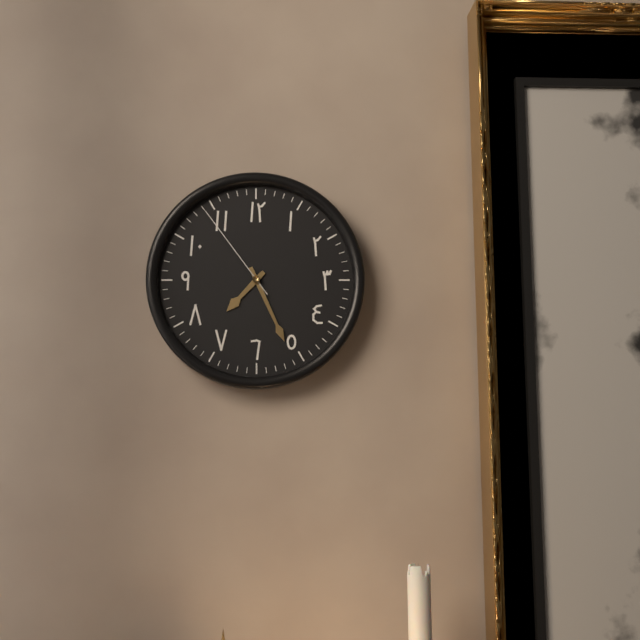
7:26:54
